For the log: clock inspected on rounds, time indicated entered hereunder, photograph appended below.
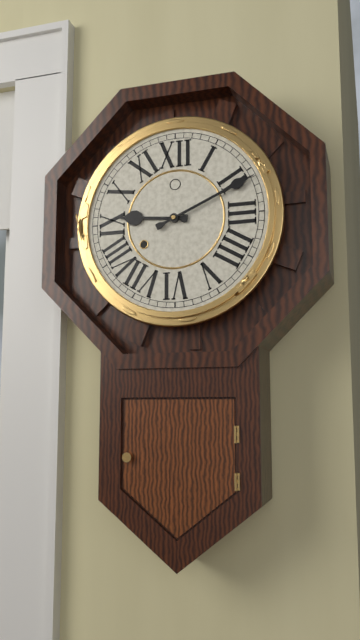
9:11
